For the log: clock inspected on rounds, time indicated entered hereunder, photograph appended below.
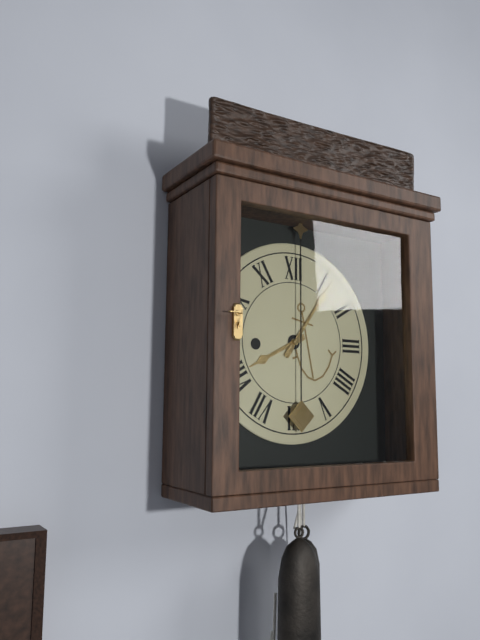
8:06
